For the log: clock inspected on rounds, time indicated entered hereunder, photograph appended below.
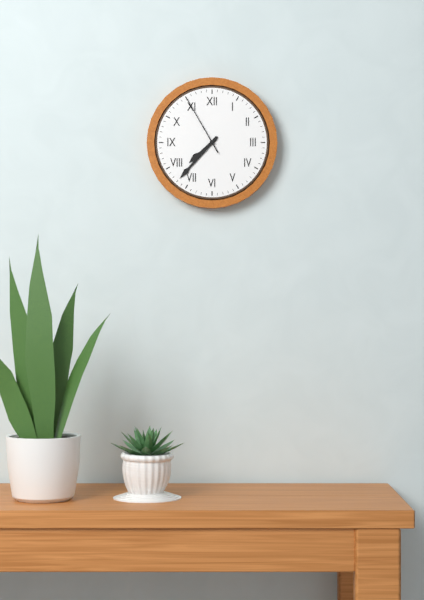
7:37:55
